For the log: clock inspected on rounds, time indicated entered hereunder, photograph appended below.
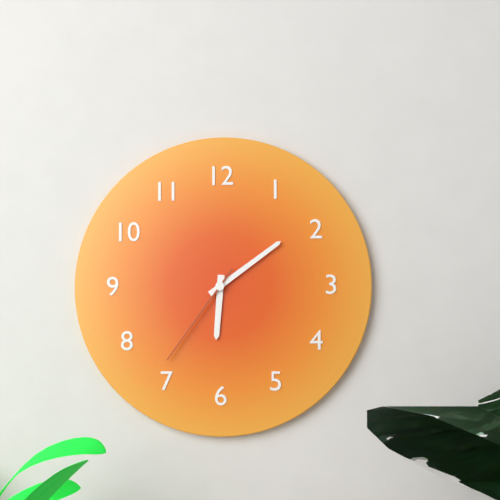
6:09:36
